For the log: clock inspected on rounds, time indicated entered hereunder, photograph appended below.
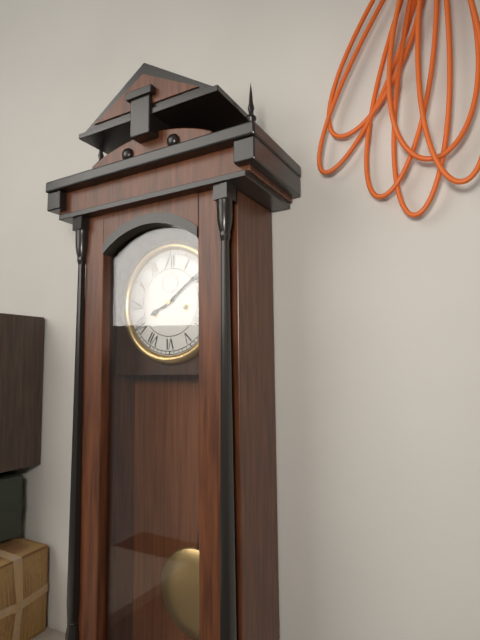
8:09
